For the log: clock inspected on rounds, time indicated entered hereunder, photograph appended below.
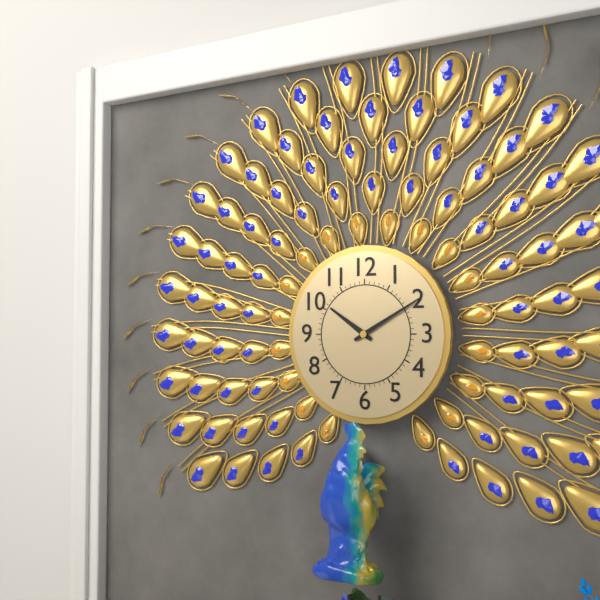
10:10
